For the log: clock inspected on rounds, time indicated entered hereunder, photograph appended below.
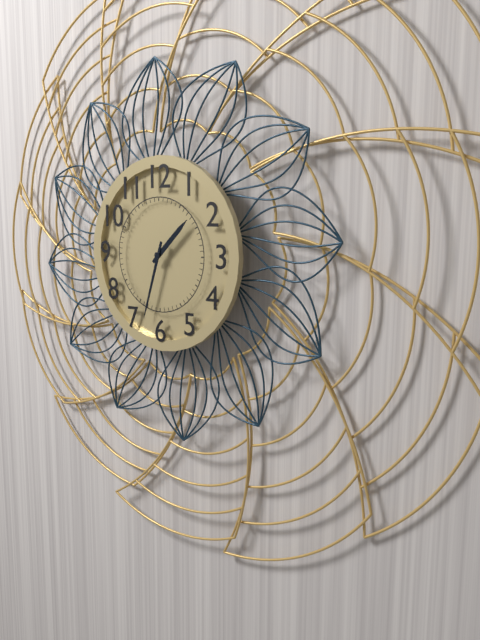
1:33
